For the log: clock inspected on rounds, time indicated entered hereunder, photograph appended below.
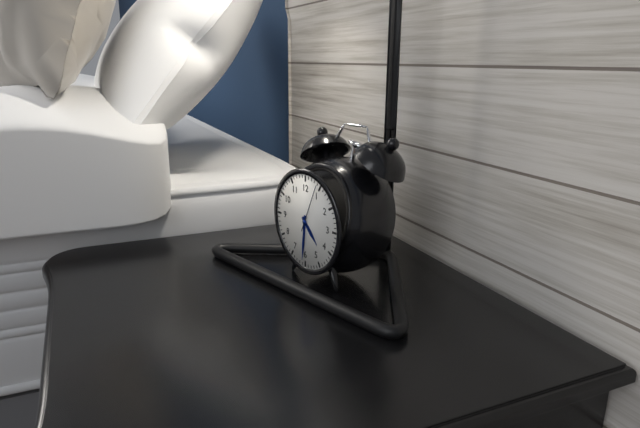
4:31
